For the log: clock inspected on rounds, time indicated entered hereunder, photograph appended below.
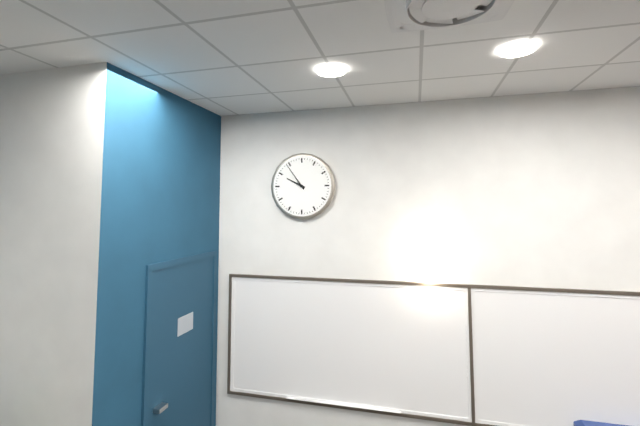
9:54
